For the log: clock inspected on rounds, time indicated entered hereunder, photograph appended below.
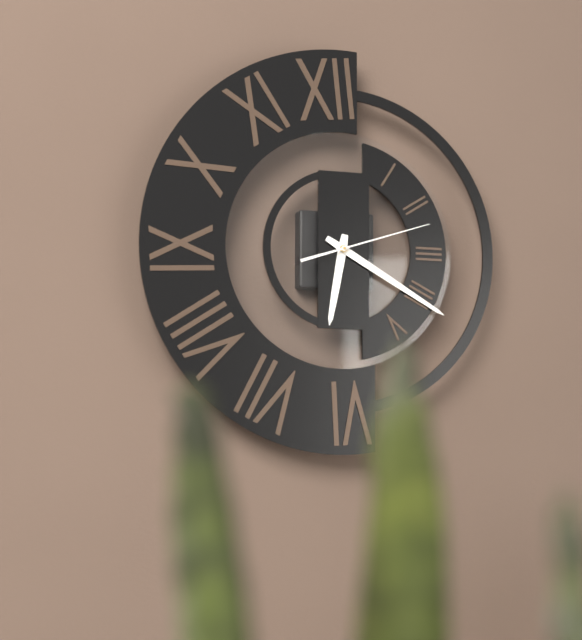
6:20:12
